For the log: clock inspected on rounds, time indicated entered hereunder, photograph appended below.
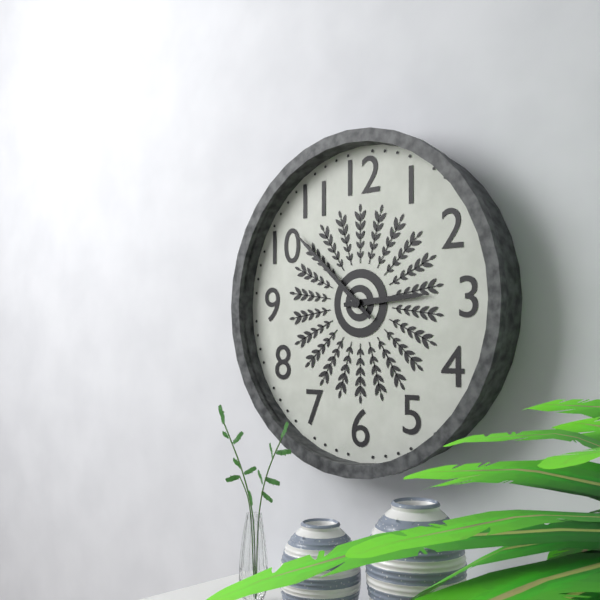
2:52
